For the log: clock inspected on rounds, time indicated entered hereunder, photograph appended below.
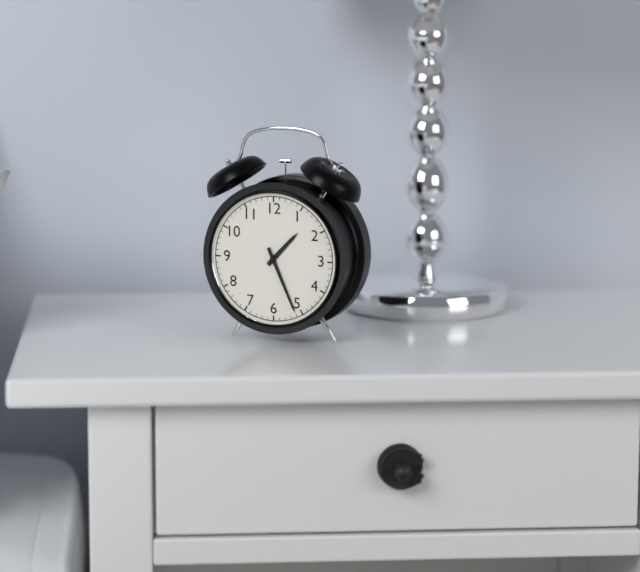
1:26
